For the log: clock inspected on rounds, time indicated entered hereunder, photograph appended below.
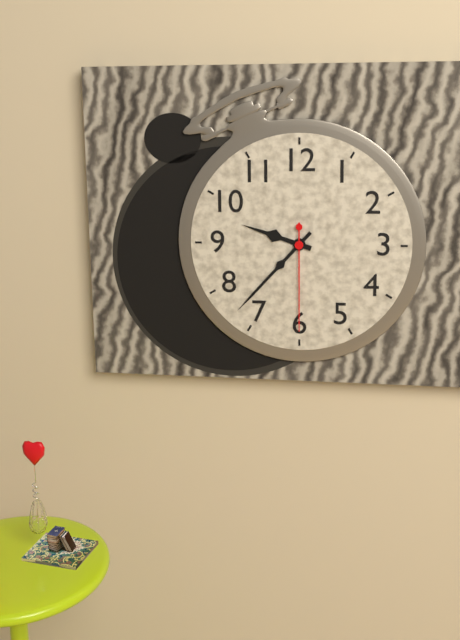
9:37:30
